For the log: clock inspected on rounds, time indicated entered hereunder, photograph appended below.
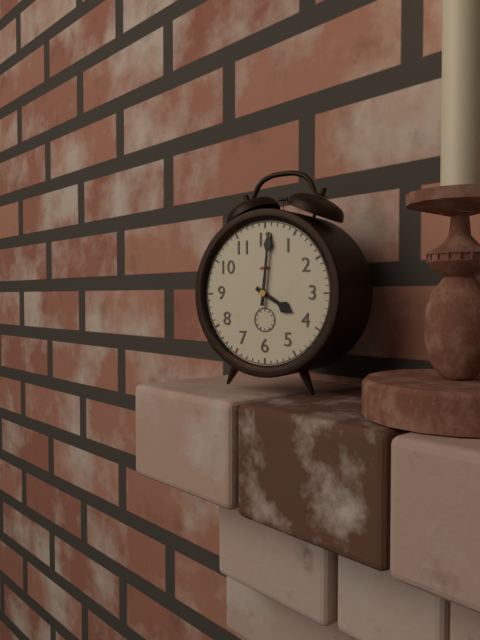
4:01
